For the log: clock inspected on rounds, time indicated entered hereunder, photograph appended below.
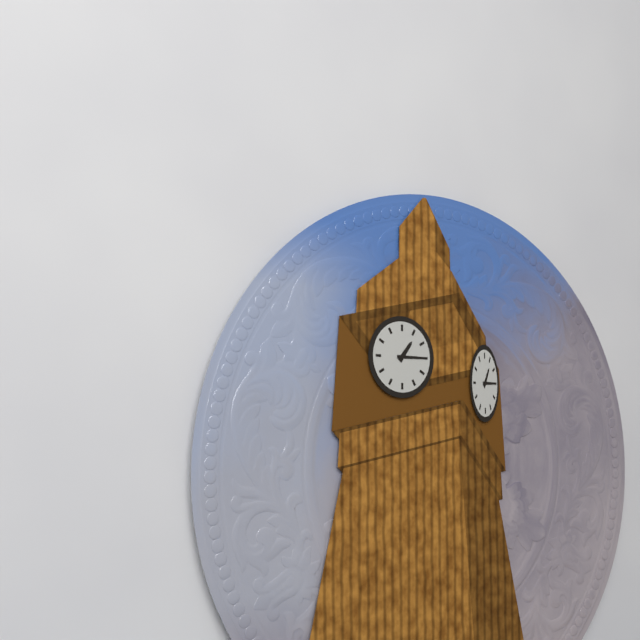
1:15
